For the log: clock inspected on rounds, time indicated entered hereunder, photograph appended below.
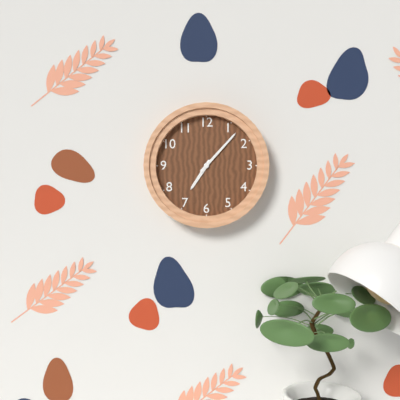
7:07
